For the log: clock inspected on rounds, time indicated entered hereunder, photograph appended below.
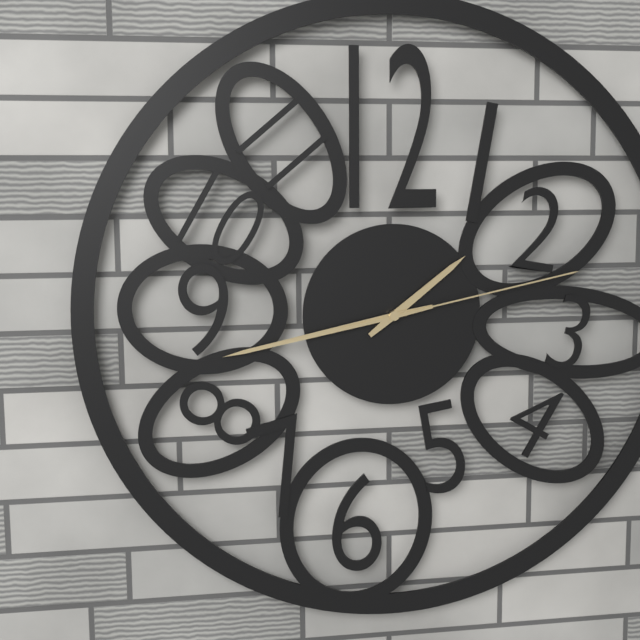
1:43:13
